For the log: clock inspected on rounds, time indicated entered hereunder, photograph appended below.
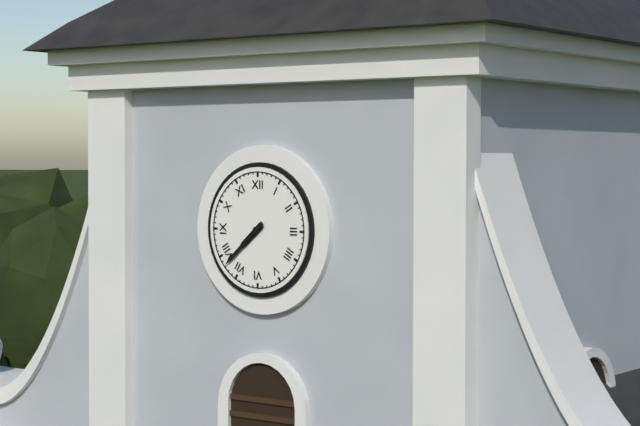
7:38
